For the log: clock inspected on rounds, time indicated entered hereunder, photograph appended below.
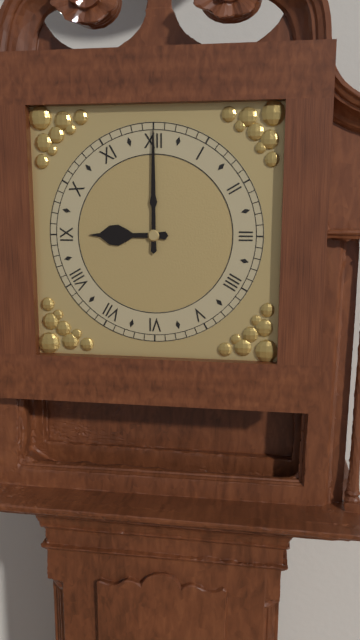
9:00
